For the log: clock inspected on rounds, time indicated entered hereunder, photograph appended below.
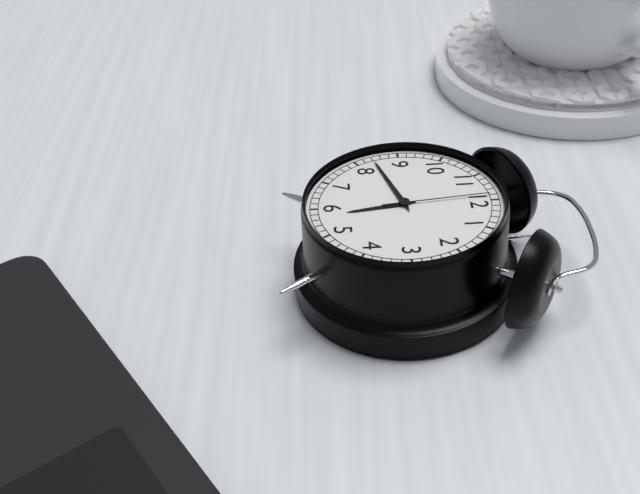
5:42:59
